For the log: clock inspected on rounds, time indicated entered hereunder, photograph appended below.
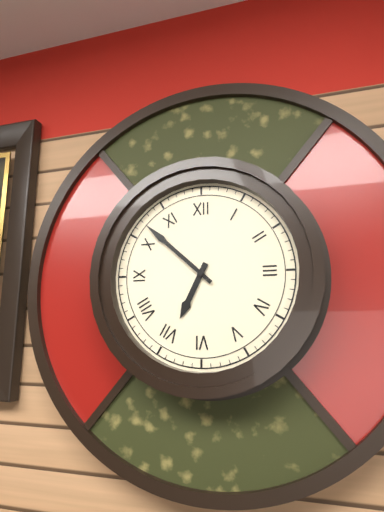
6:52
